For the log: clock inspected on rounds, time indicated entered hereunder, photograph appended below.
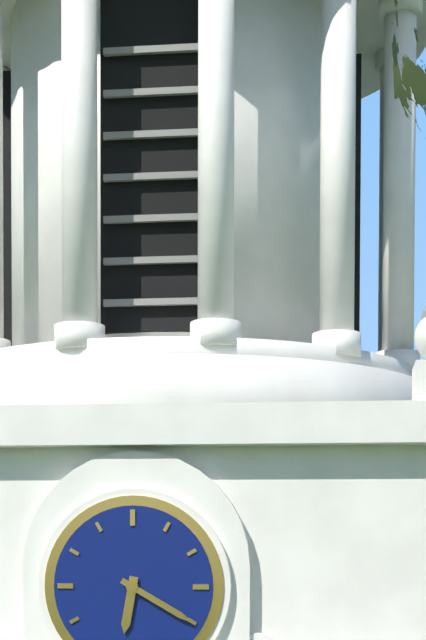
6:20
